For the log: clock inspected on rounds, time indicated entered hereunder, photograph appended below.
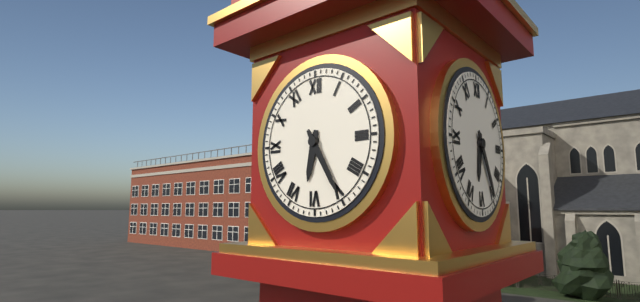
6:25
